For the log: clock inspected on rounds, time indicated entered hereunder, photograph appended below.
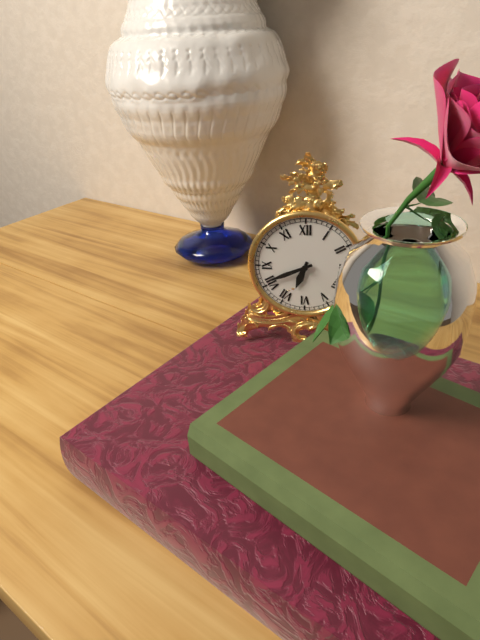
6:41
